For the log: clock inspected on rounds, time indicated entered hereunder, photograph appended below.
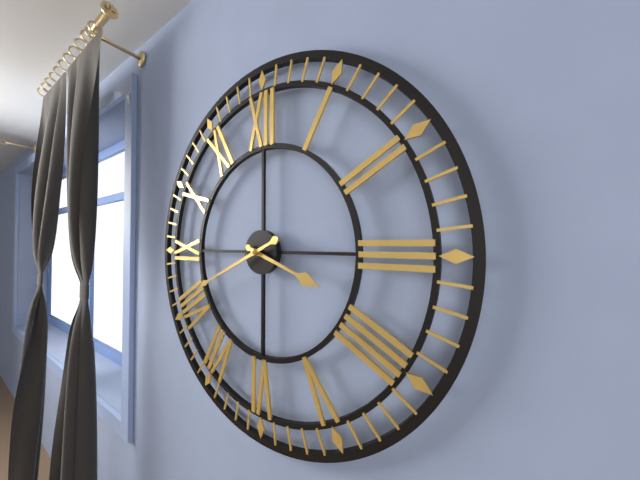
3:41
